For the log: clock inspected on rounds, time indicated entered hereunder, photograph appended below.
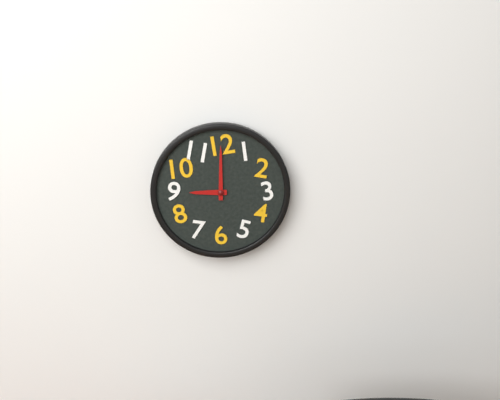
9:00
